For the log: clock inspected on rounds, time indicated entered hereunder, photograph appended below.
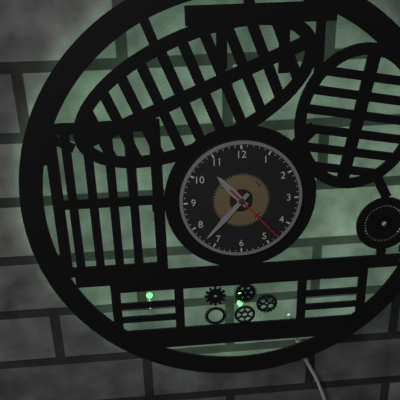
10:37:23
